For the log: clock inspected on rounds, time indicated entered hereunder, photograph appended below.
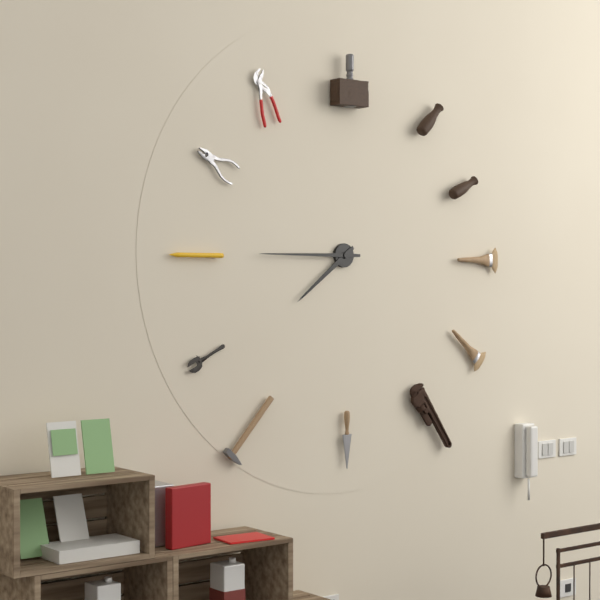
7:45
